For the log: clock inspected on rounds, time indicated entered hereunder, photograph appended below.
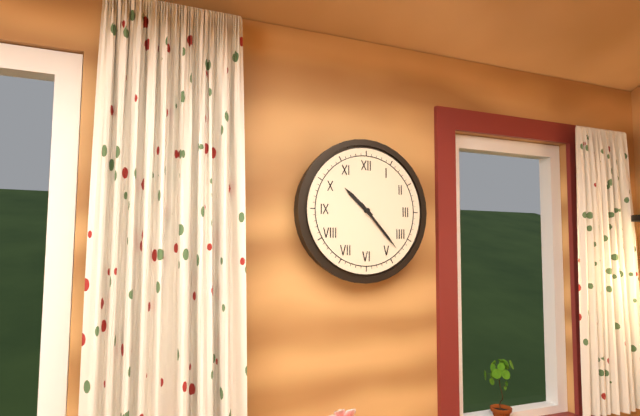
10:23
